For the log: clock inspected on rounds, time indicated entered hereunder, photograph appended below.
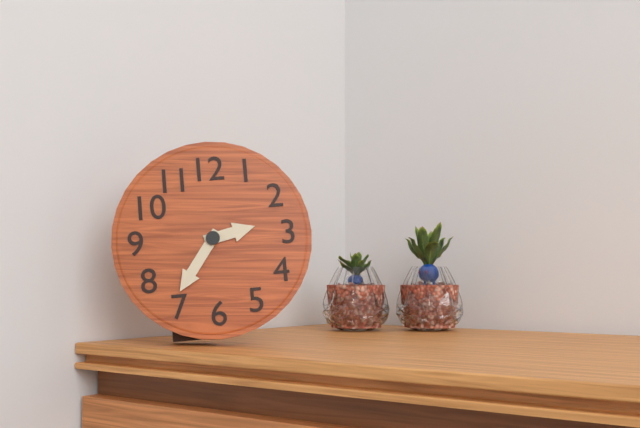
2:36
